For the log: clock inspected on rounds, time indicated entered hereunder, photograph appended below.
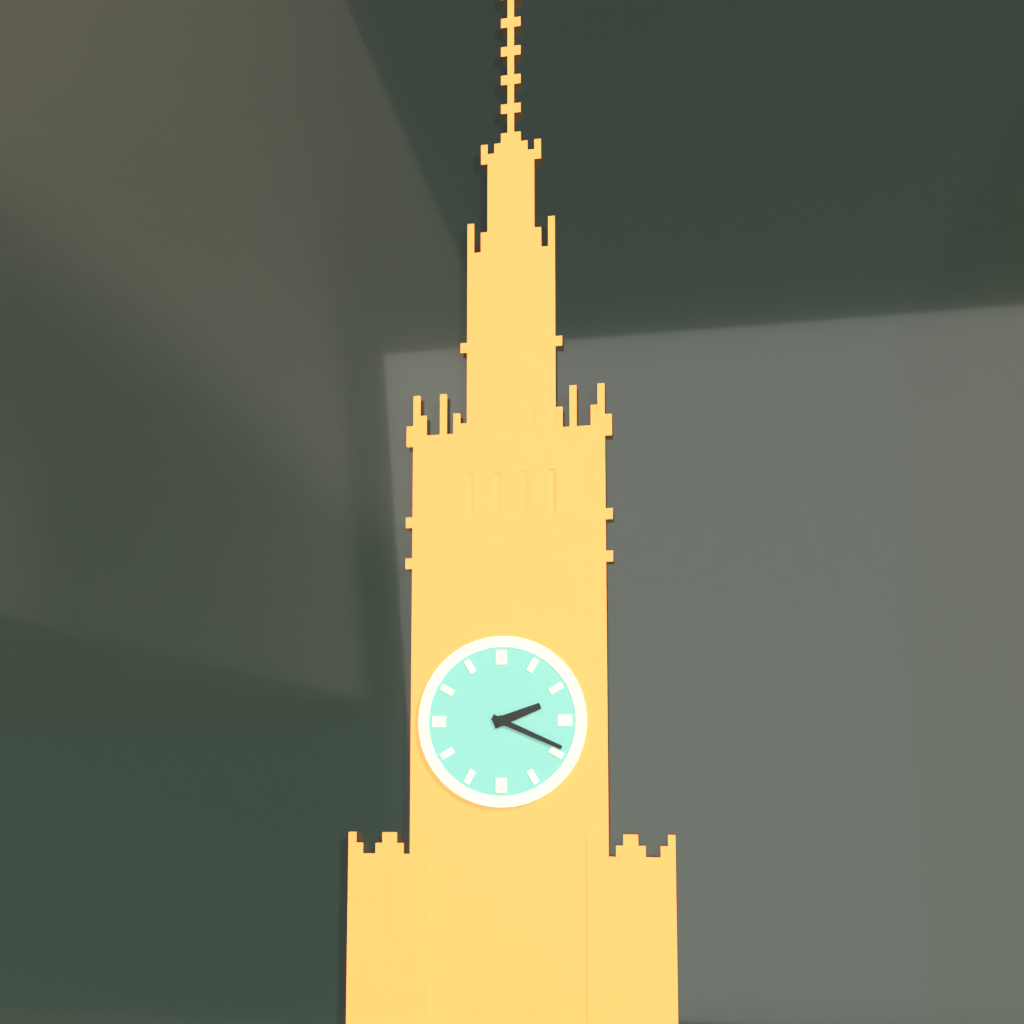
2:19
